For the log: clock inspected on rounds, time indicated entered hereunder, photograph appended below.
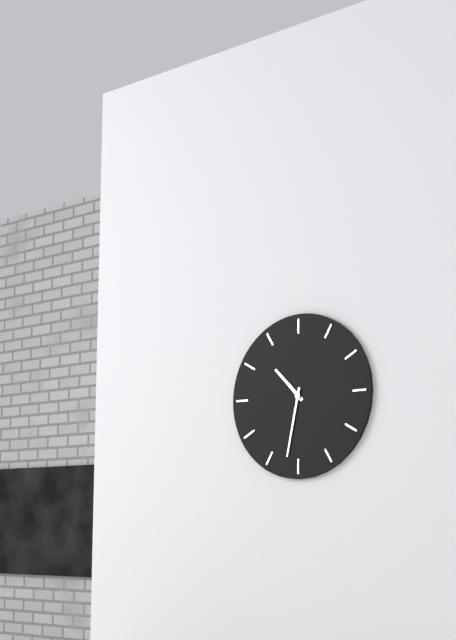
10:32
